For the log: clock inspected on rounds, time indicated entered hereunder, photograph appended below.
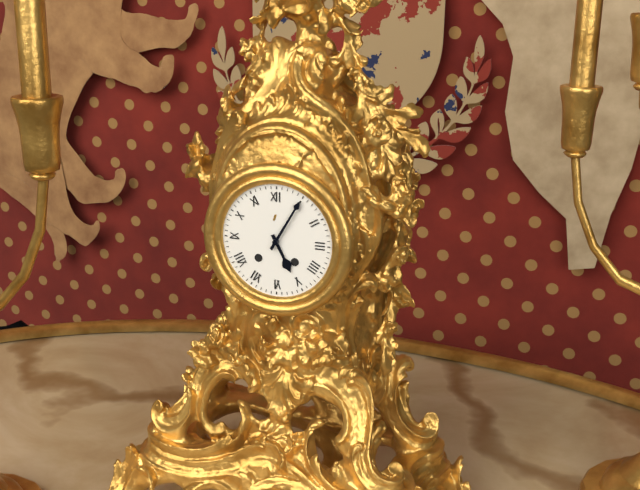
5:05
